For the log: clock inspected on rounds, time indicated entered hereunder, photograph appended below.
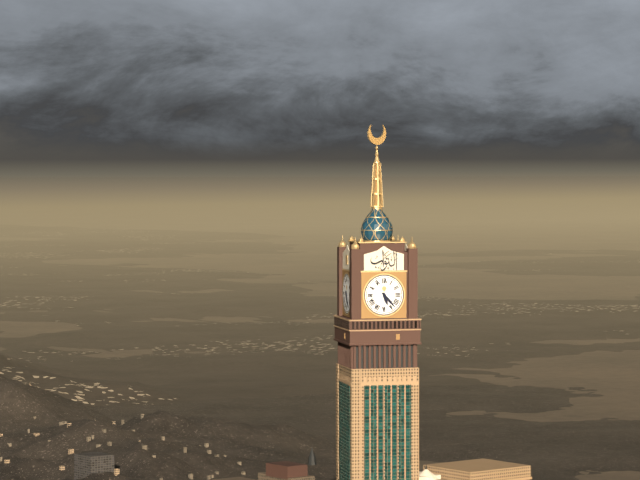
5:23
